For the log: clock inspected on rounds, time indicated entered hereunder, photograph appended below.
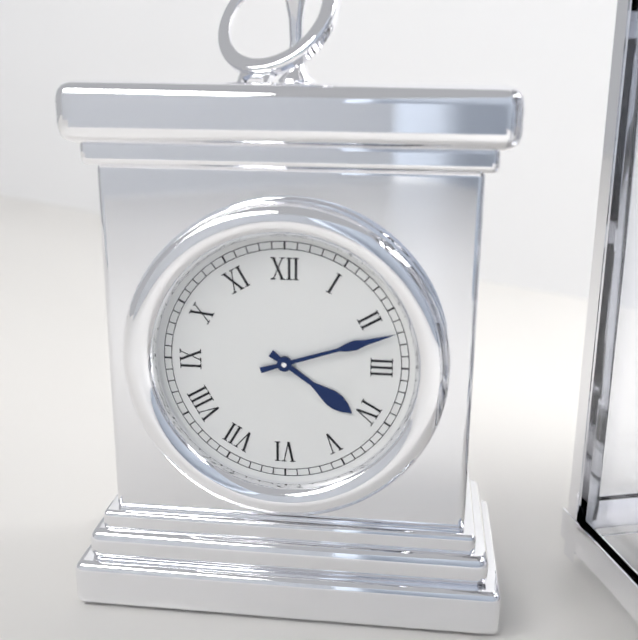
4:12
